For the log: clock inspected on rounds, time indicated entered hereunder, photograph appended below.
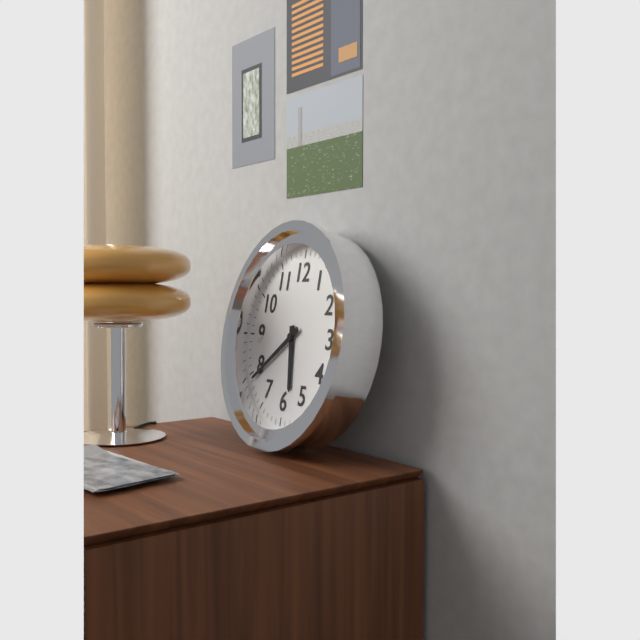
5:39
